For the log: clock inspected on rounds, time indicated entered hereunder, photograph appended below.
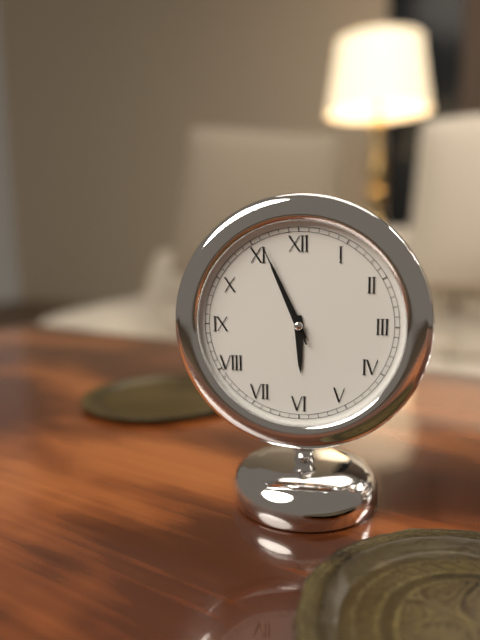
5:56:56
